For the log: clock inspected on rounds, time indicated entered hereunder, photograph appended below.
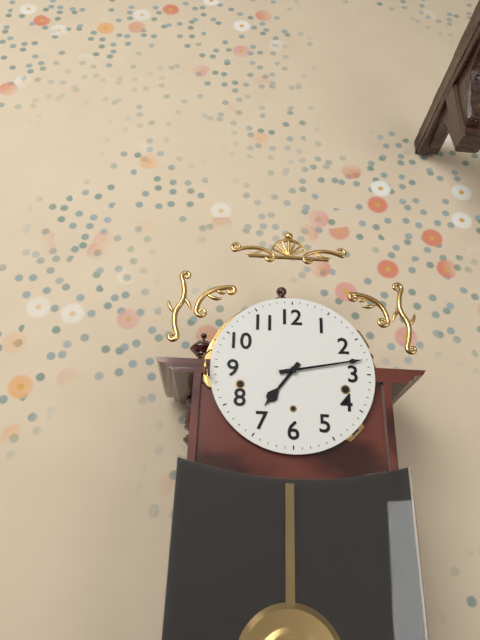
7:13
